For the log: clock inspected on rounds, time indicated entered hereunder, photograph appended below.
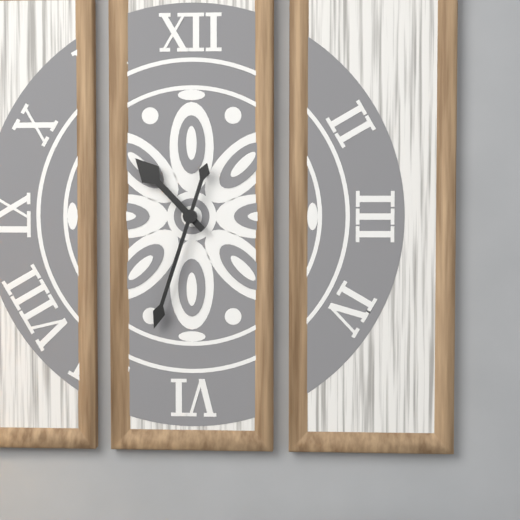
10:33
